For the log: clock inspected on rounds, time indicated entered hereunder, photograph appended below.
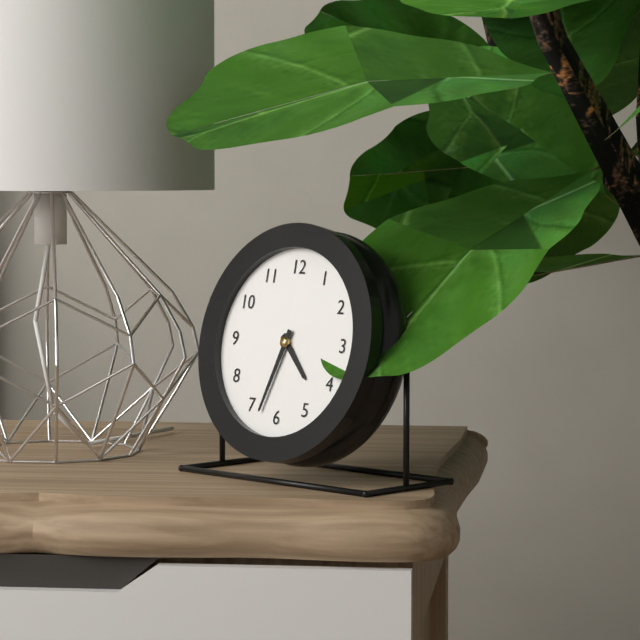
4:33
